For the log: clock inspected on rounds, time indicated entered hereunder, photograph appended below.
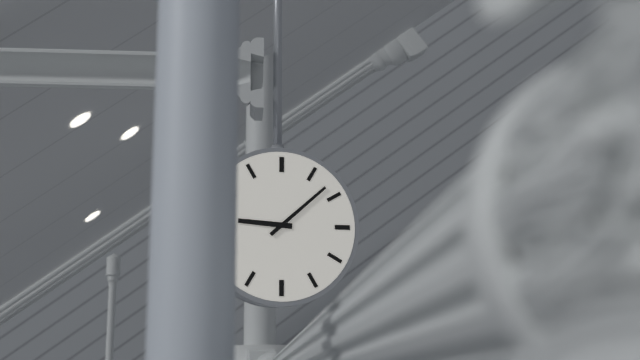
9:08
